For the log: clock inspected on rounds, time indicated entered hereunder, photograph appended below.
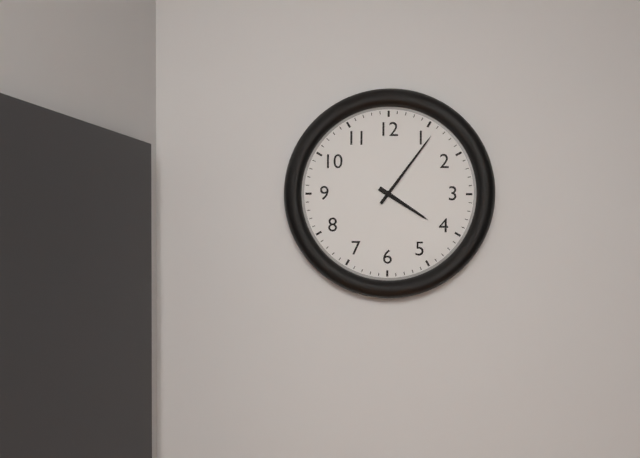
4:06
